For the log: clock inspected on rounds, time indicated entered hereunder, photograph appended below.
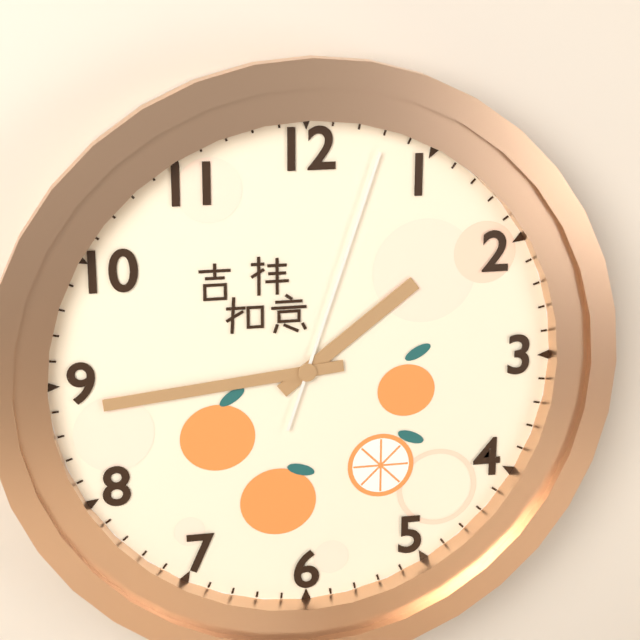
1:44:03
